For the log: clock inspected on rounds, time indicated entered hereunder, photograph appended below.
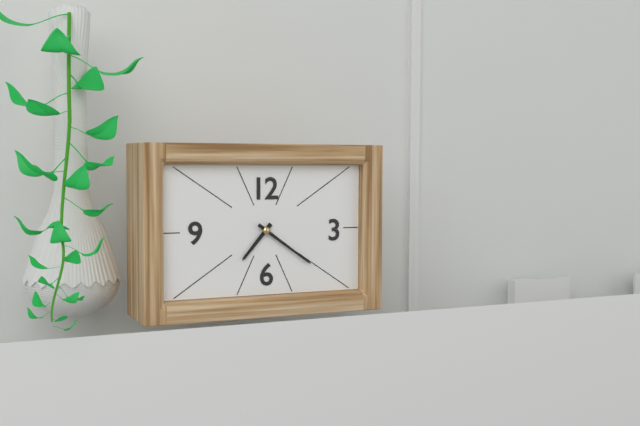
7:21
